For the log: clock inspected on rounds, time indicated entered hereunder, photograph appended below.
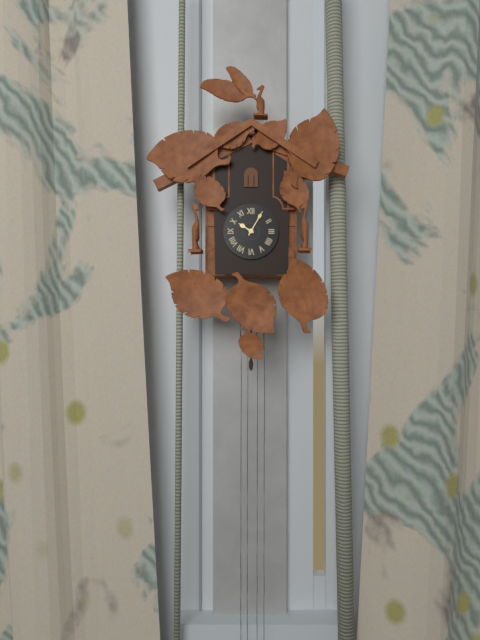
10:05
